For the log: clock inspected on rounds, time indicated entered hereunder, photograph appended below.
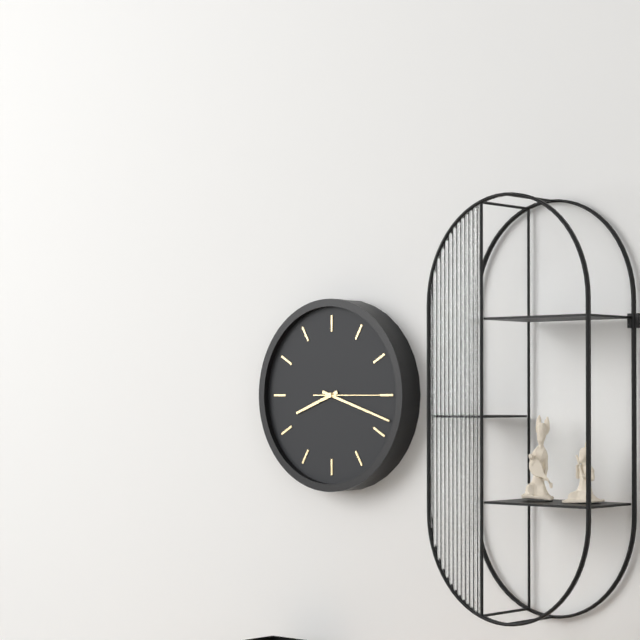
8:18:15
